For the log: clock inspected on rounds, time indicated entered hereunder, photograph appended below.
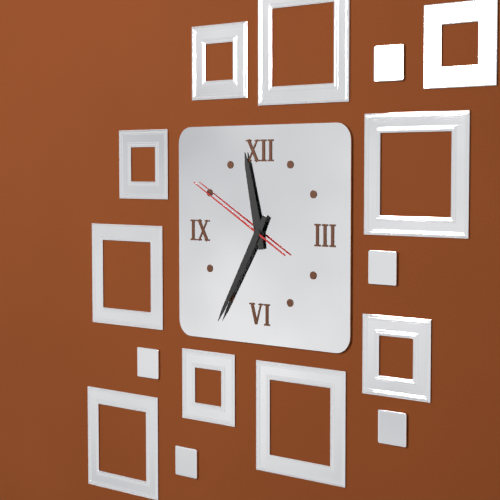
11:35:50
